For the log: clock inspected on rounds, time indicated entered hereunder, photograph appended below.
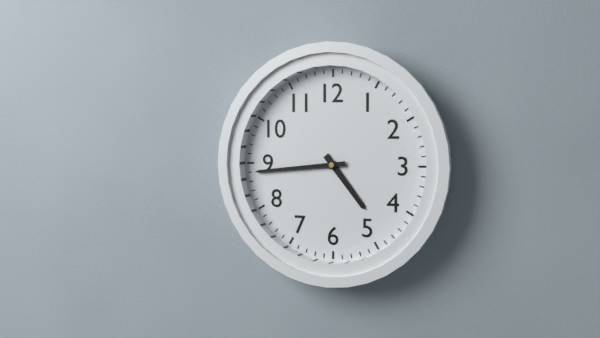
4:44
